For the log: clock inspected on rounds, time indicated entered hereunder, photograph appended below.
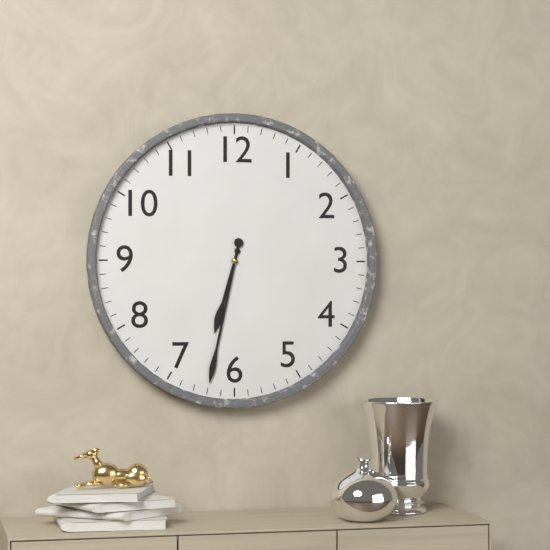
6:32
